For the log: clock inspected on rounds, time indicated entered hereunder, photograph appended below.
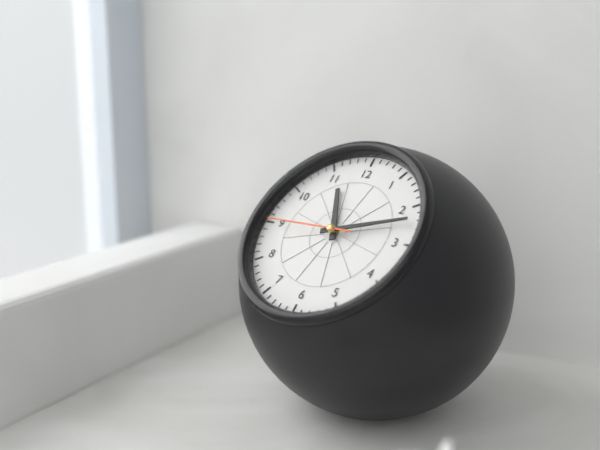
11:12:45
